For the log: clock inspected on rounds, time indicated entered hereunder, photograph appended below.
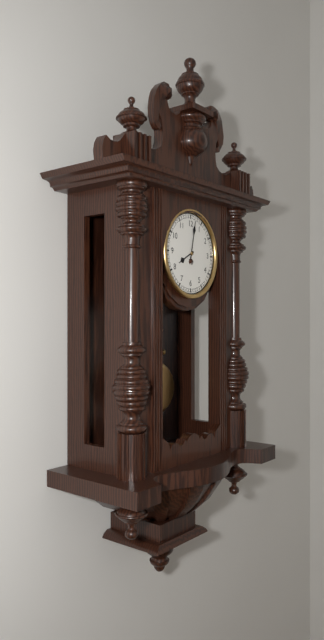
8:02
